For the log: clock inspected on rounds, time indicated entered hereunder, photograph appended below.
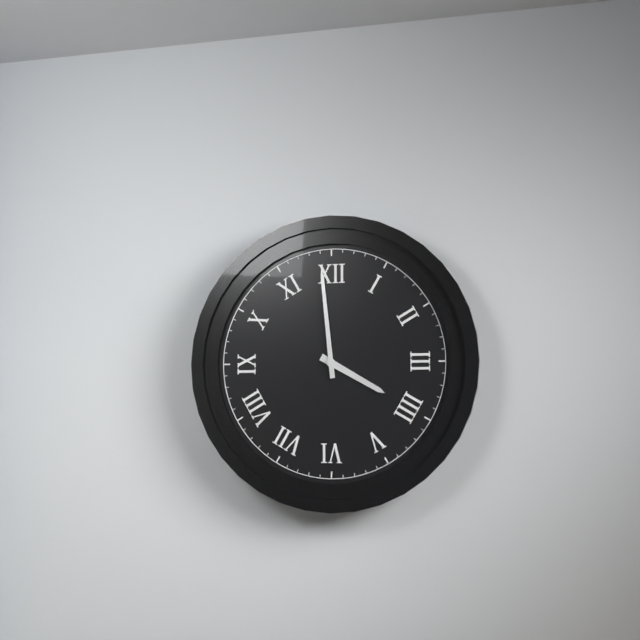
3:59
